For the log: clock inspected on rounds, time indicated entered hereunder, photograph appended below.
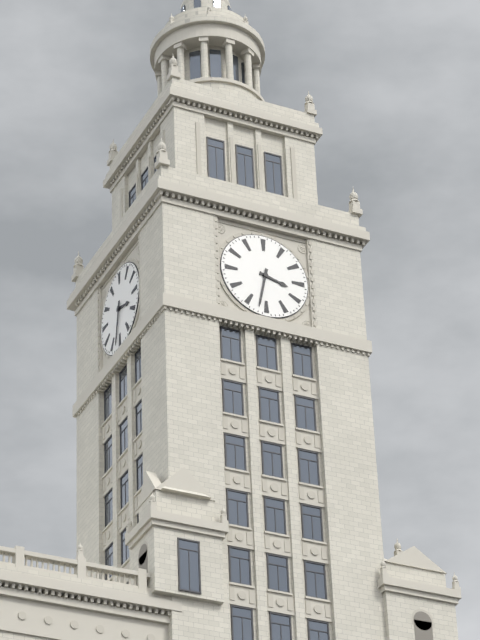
3:32
